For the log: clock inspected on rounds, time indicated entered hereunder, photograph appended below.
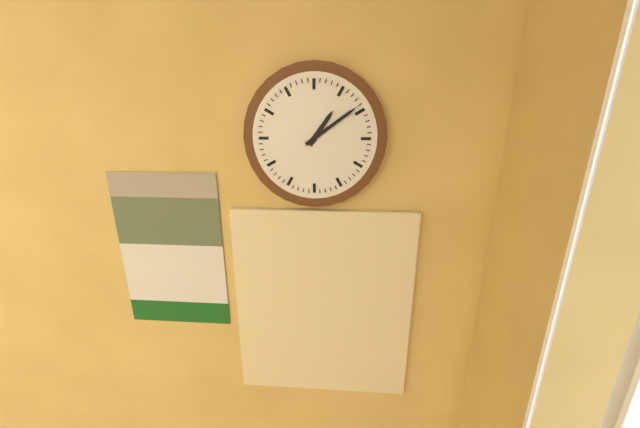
1:09
